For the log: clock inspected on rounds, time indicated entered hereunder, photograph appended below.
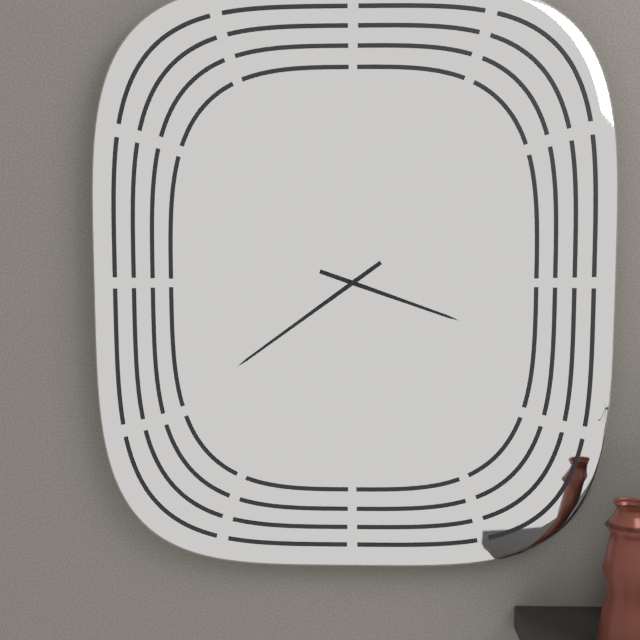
3:39
